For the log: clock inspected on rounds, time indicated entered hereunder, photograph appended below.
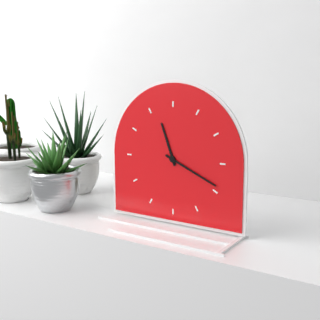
11:19
